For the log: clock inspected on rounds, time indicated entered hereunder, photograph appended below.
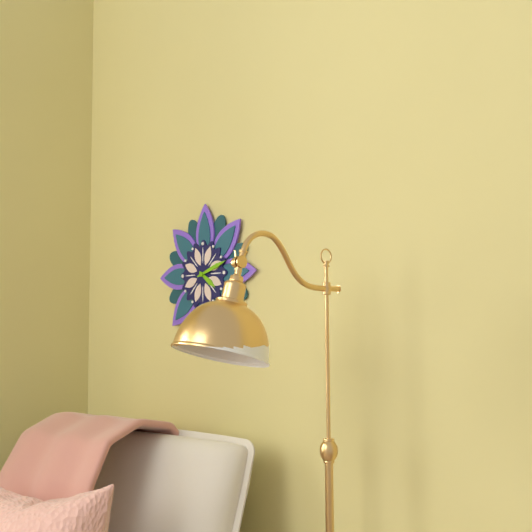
4:12
